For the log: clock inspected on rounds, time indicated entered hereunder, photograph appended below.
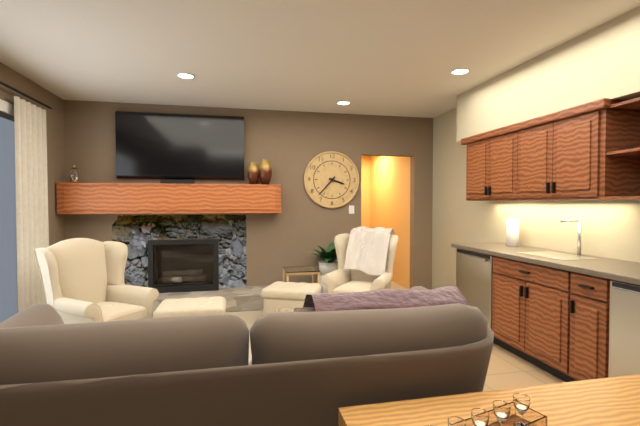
3:37
